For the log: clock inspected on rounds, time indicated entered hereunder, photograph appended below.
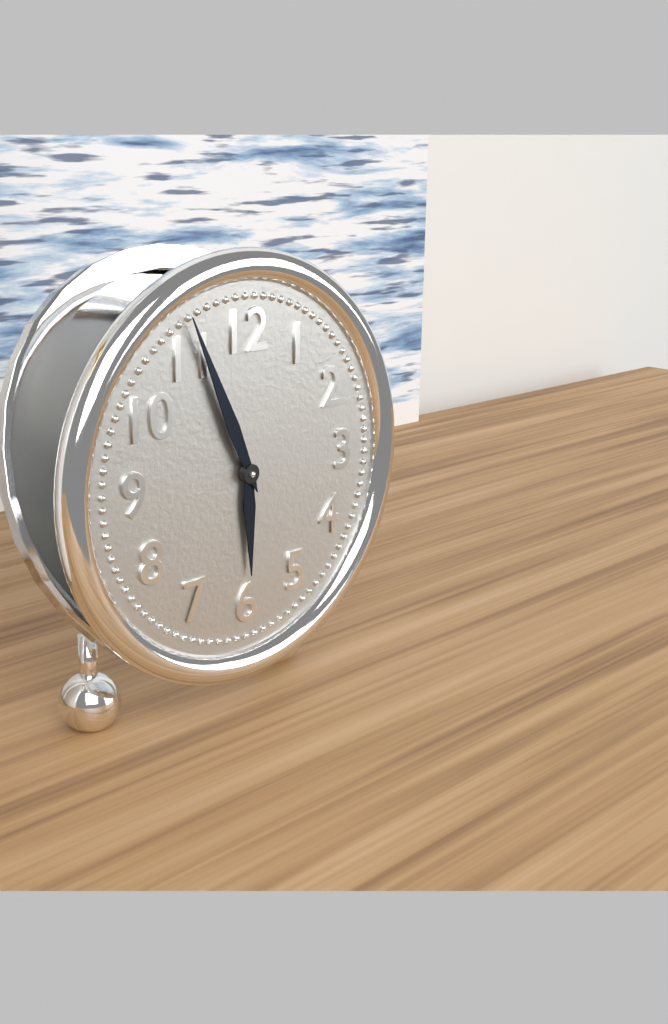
5:56
